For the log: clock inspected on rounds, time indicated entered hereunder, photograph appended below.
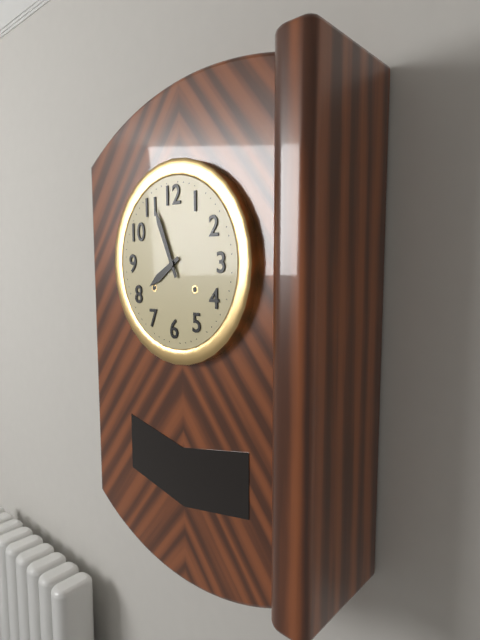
7:56
